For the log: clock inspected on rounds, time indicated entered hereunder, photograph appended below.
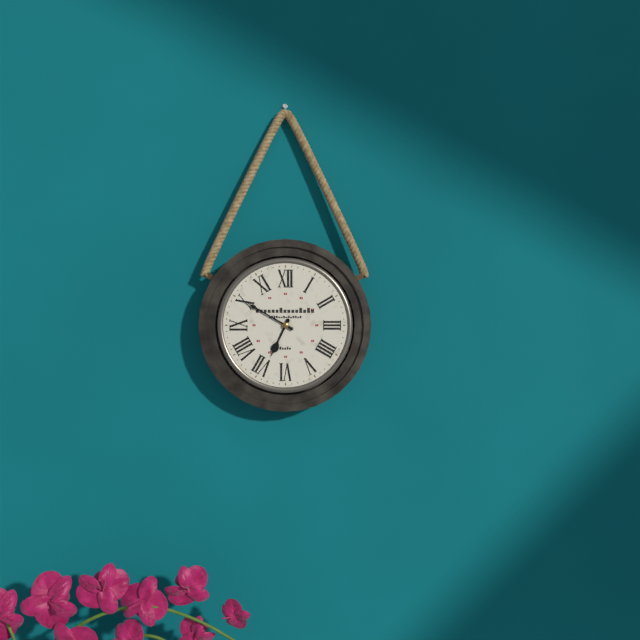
6:50
